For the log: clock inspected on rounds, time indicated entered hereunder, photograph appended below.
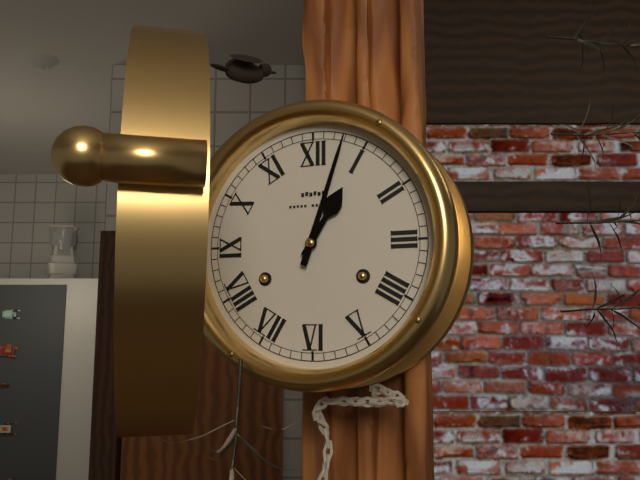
1:03
